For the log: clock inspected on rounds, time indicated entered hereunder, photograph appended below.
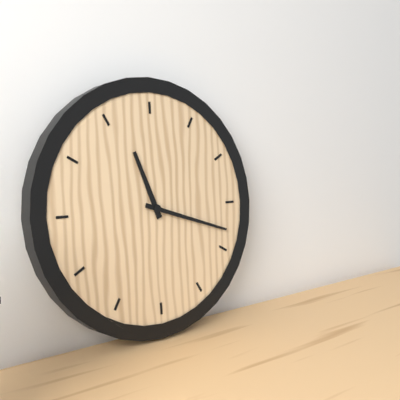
11:18
